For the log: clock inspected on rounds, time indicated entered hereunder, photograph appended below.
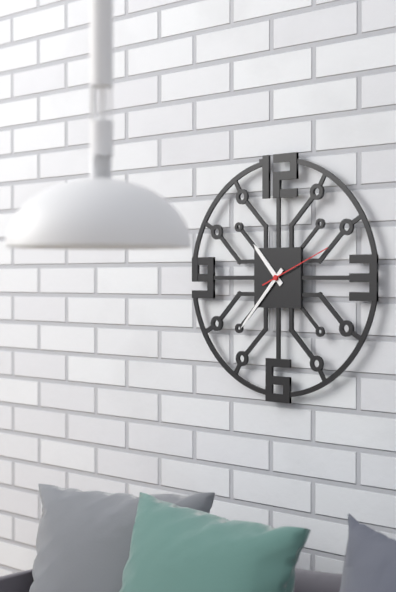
10:37:11
